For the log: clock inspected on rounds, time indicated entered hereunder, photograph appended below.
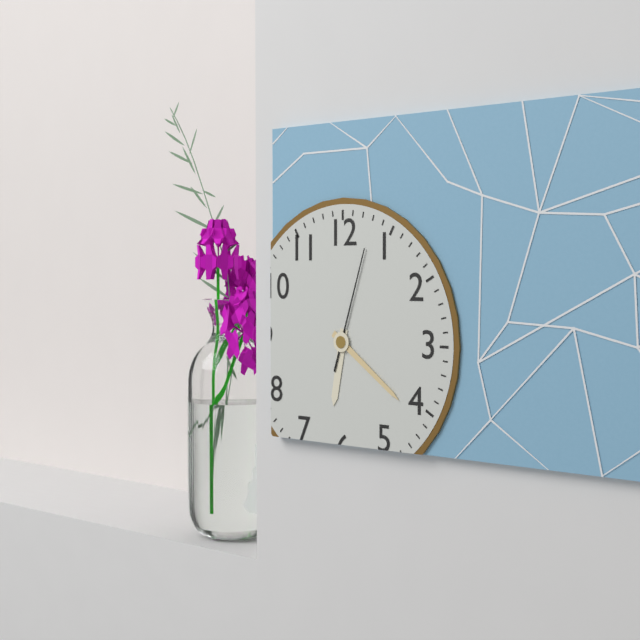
6:21:03
